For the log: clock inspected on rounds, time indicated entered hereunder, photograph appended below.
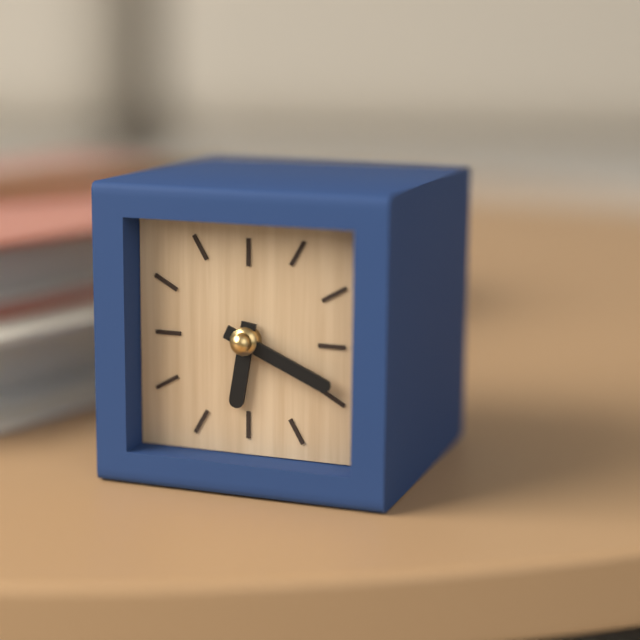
6:19
